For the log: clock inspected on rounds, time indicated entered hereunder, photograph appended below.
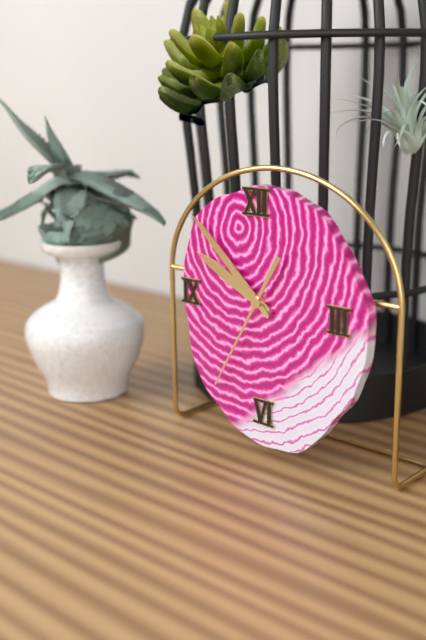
9:52:35
